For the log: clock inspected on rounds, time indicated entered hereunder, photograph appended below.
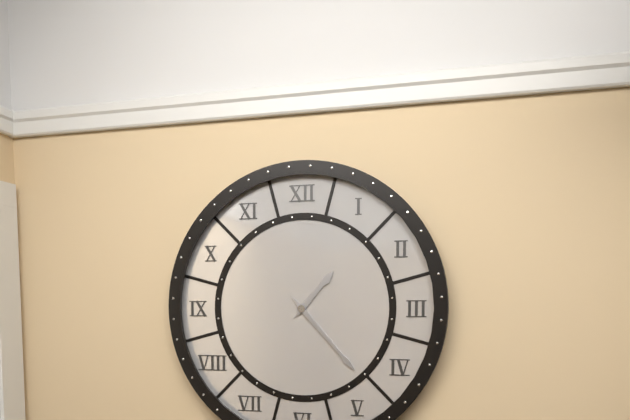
1:23
